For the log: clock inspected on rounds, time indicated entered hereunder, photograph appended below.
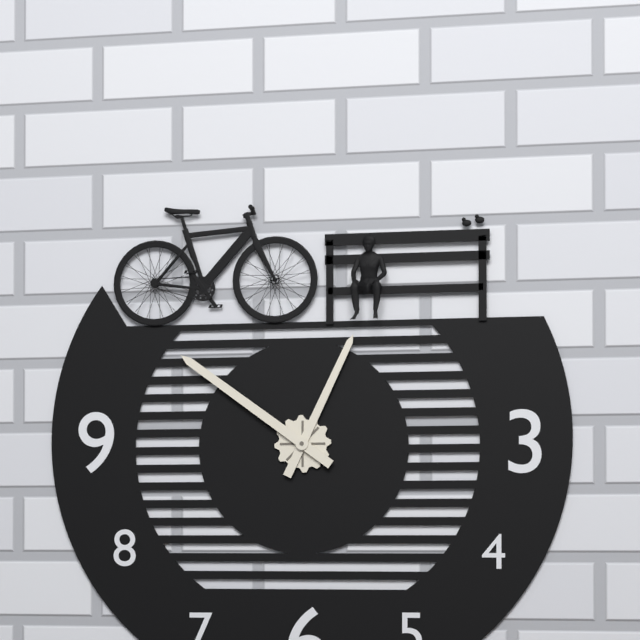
12:51
